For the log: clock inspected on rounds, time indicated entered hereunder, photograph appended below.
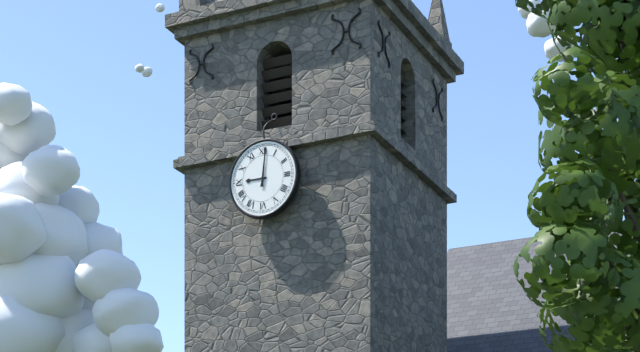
9:01
